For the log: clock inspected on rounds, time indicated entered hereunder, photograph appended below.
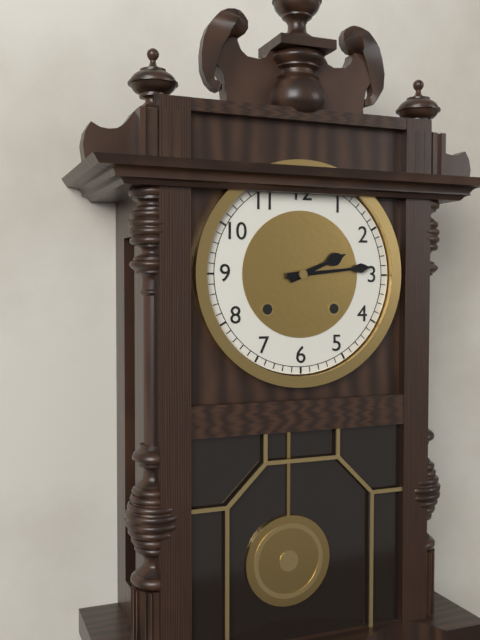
2:14
